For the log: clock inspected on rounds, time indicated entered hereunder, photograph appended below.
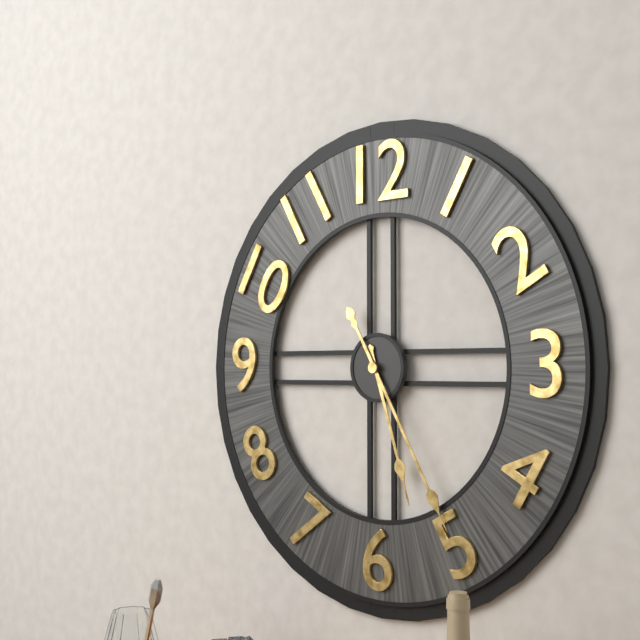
5:25
